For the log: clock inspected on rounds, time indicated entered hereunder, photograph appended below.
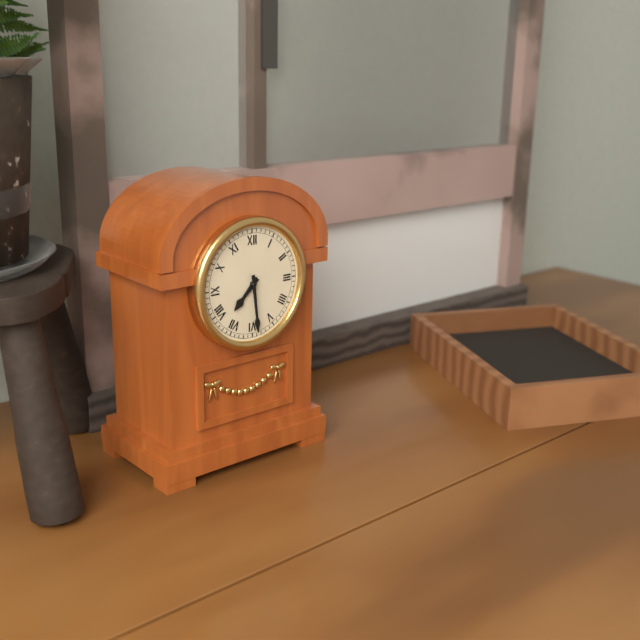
7:29
